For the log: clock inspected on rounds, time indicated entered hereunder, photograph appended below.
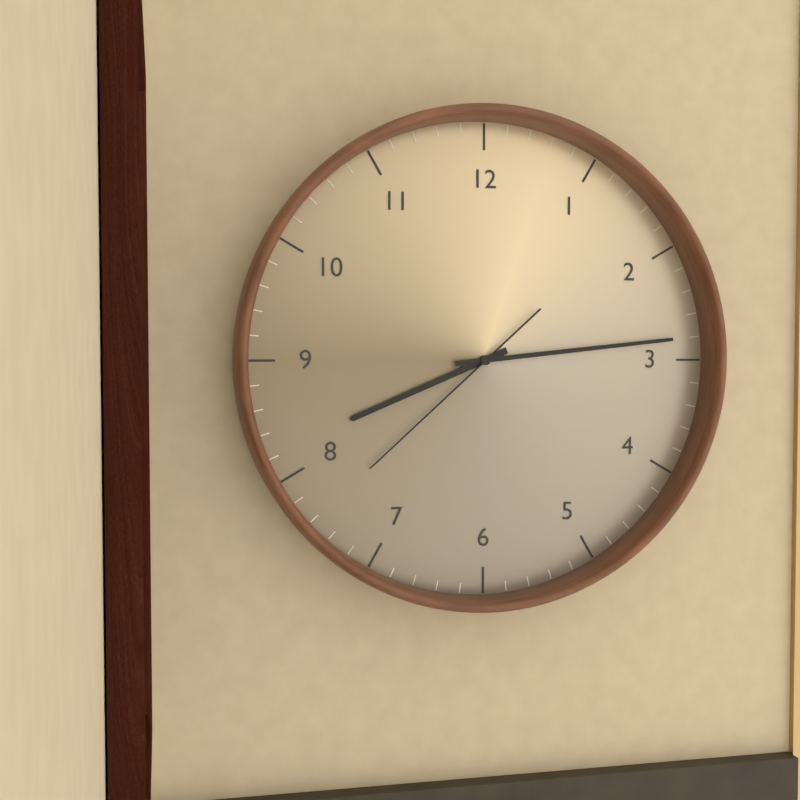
8:14:38
